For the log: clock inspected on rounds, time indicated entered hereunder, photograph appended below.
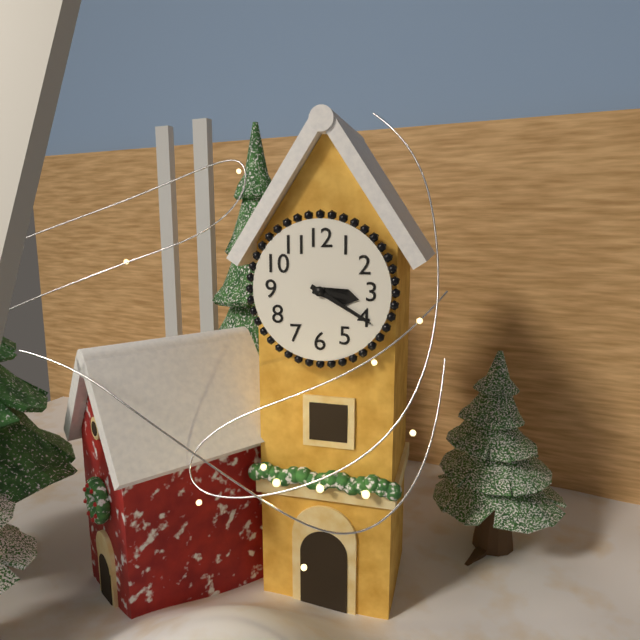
3:20
